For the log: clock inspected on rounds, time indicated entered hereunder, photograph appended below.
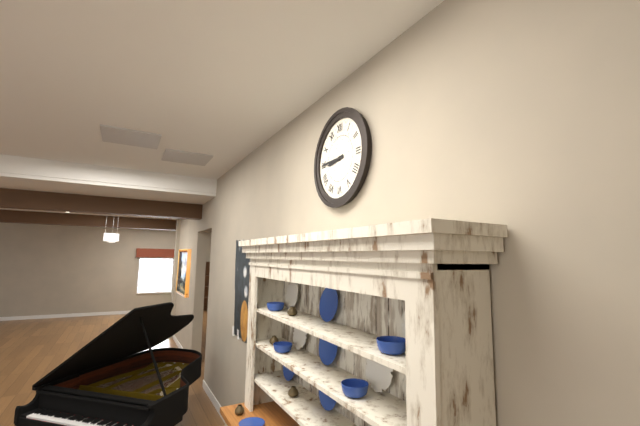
8:45
